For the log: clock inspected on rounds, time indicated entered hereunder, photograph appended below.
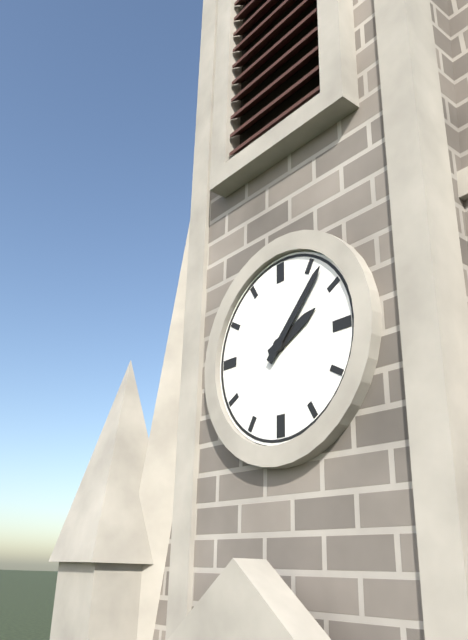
2:07
